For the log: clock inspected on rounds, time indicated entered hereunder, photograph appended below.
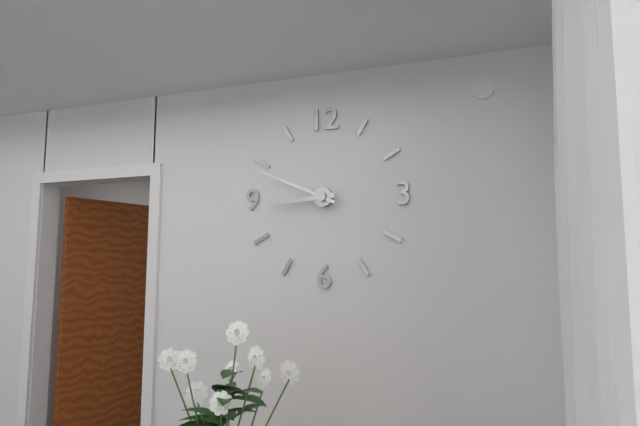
8:49
